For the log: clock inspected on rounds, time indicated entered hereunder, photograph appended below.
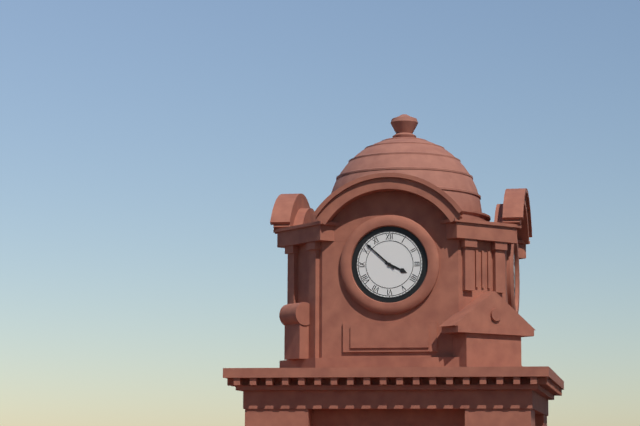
3:52
